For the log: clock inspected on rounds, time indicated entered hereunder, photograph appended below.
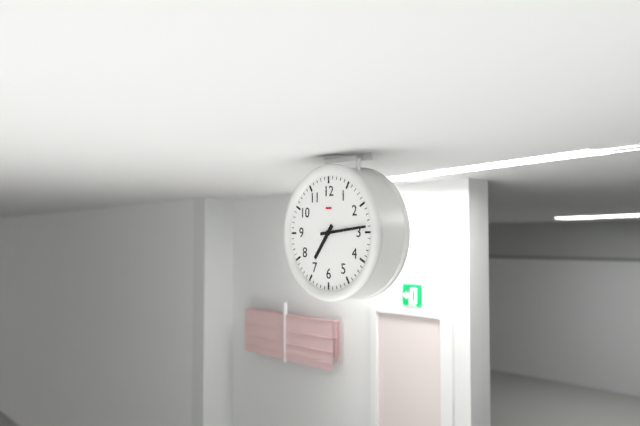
7:14
